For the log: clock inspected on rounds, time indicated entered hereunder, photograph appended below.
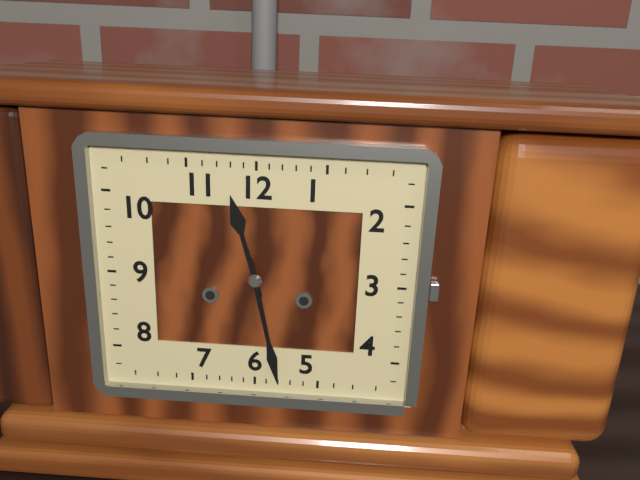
11:28
